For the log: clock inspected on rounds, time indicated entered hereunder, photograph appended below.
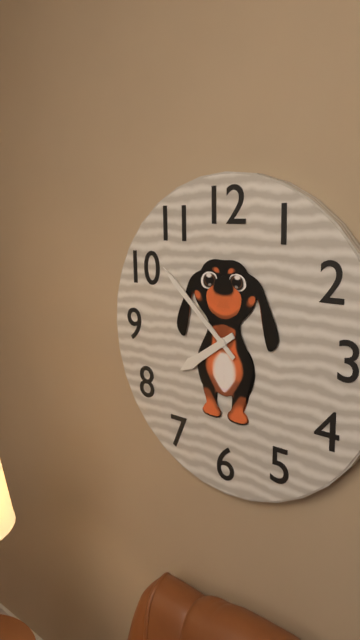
7:52
